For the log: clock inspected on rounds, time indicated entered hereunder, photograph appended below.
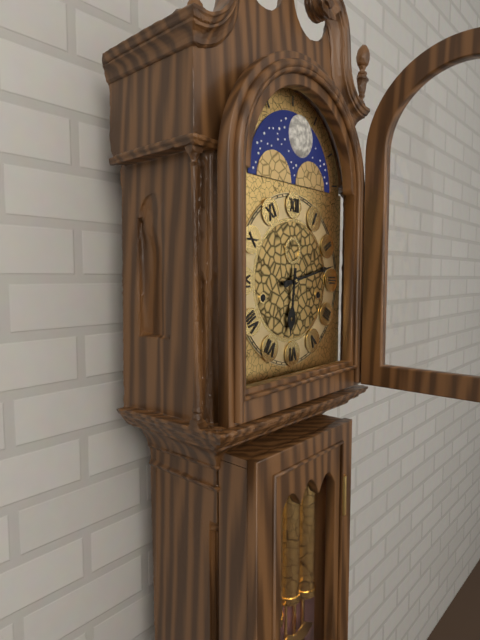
6:13
